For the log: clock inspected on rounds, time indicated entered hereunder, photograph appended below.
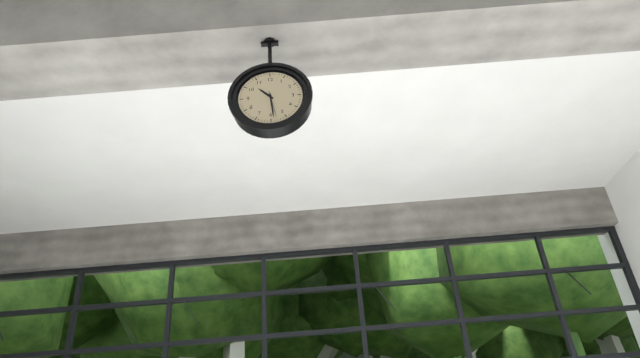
10:29
